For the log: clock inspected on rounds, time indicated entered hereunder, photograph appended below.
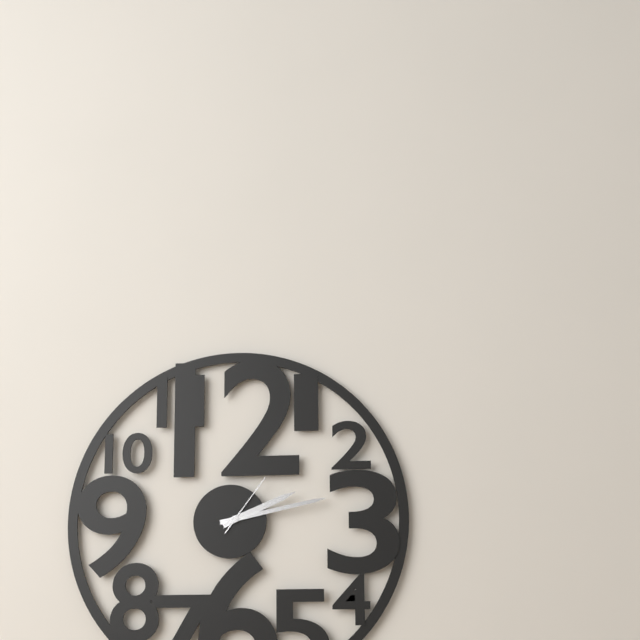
2:13:06
